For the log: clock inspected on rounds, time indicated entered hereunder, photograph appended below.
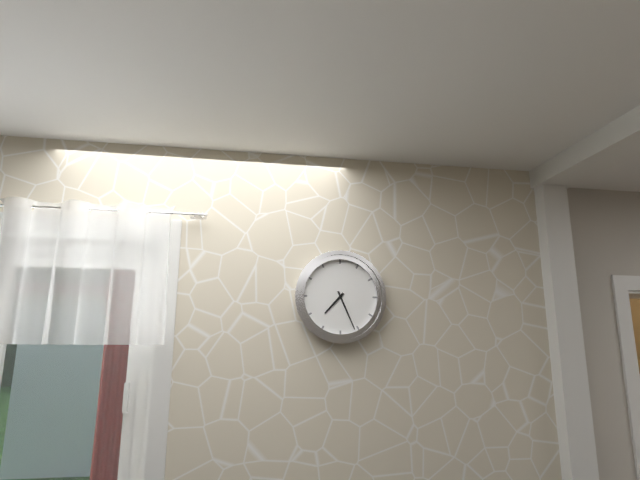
7:26
